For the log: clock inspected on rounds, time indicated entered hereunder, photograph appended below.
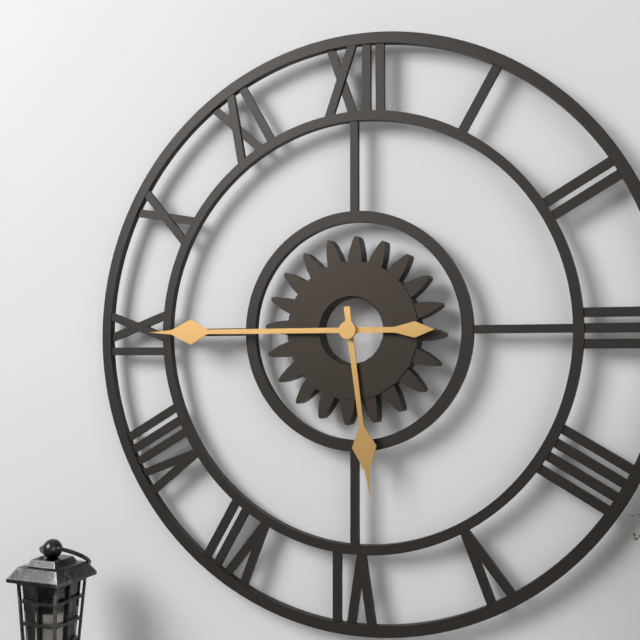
5:45
